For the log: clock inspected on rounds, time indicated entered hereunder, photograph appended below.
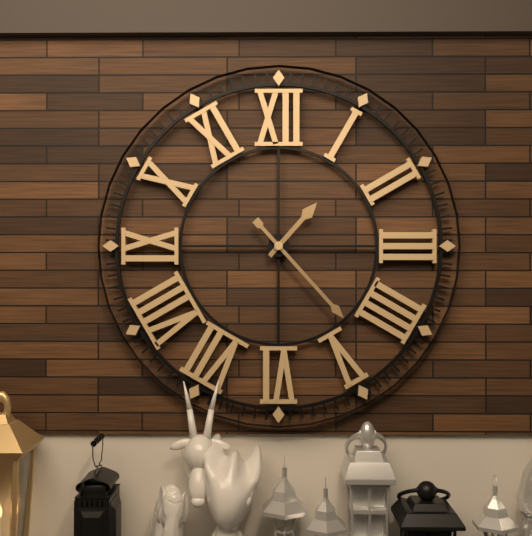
1:23
